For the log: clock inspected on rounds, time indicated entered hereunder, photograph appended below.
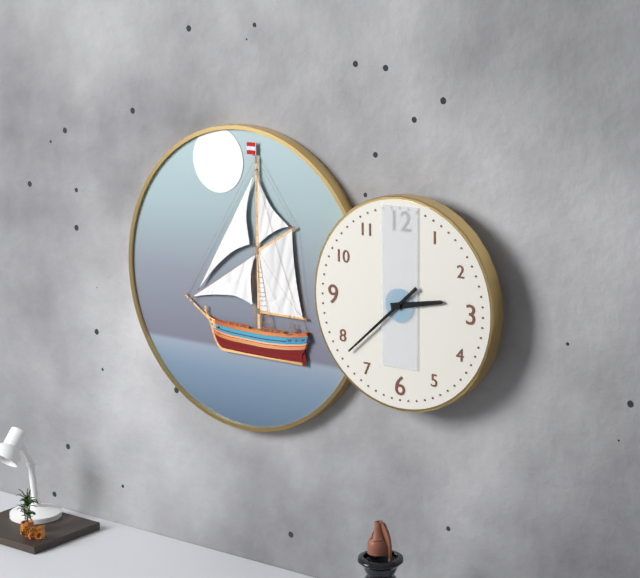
2:38
